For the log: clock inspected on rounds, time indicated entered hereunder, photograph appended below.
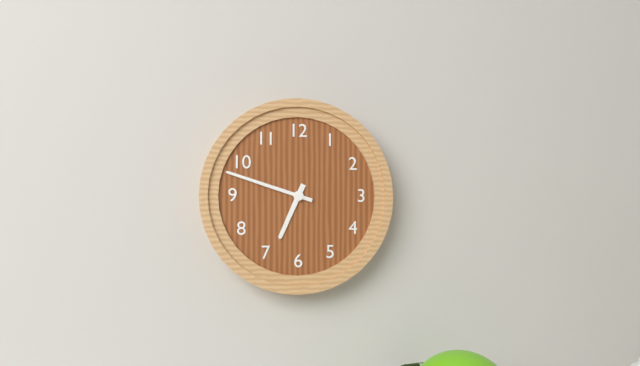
6:48
